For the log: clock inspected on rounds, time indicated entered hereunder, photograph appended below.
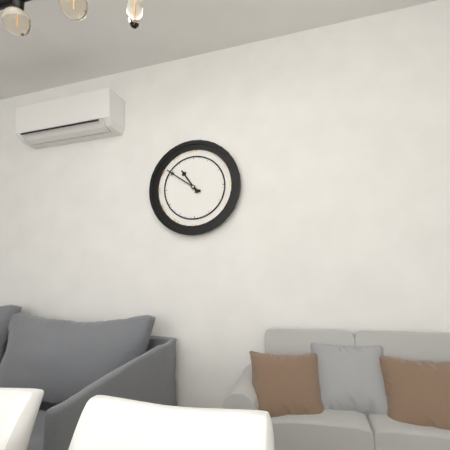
10:51
